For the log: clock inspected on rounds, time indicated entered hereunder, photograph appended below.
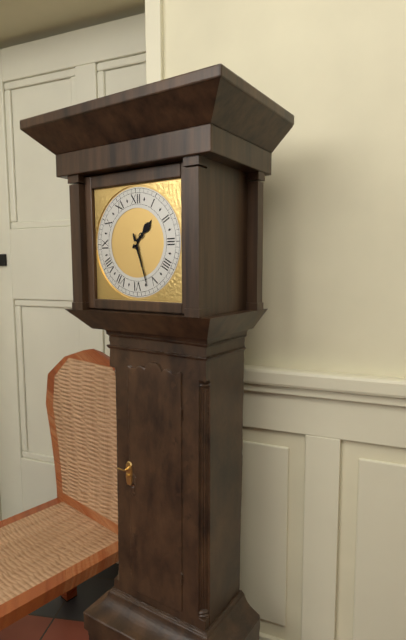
1:27
